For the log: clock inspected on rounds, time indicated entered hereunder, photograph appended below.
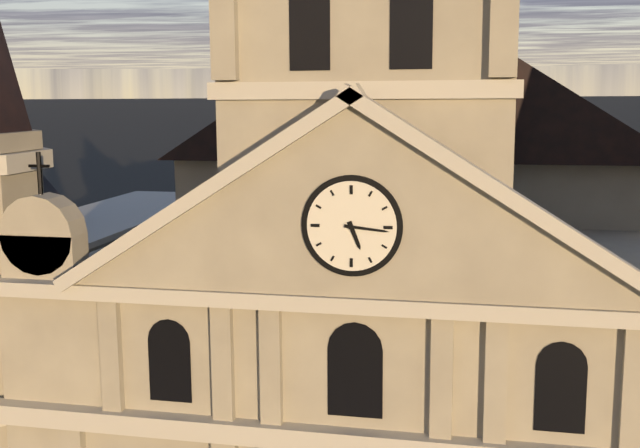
5:16
